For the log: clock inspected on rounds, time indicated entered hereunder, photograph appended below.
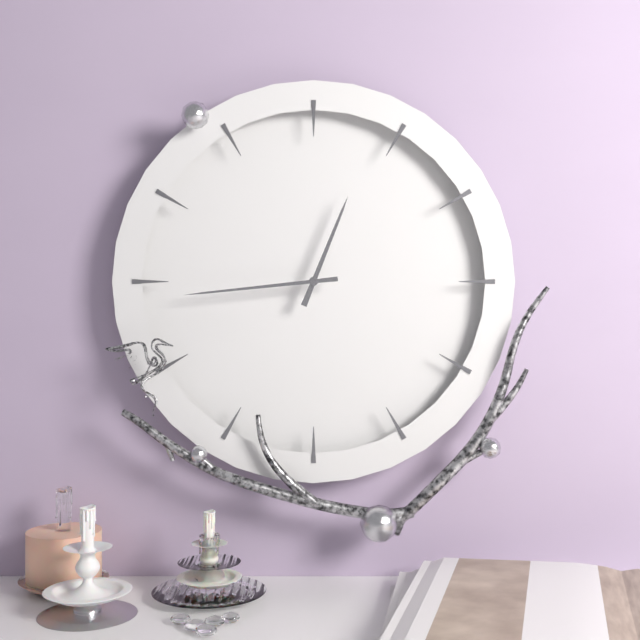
12:44
